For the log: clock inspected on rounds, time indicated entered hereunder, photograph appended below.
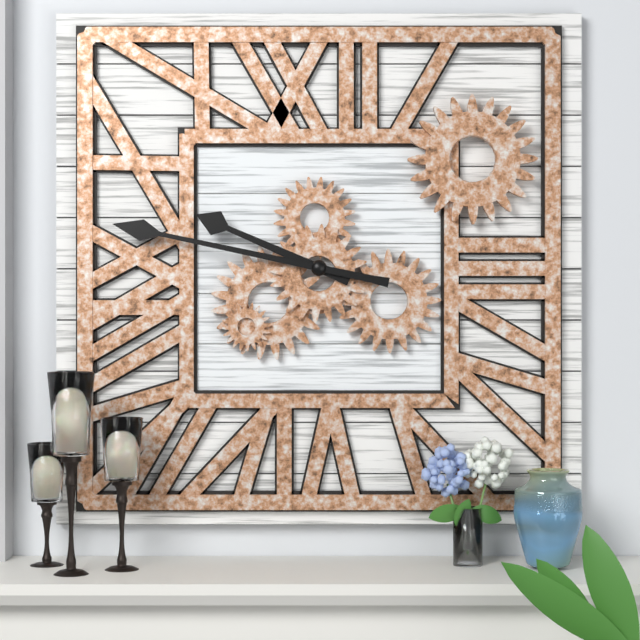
9:47
